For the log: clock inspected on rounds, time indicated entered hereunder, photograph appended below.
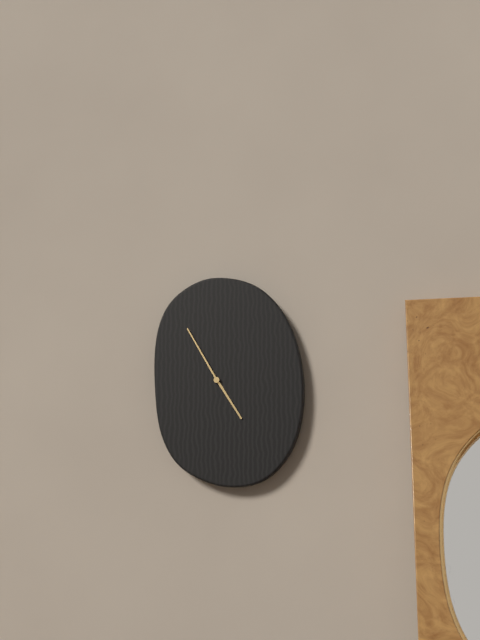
4:55
